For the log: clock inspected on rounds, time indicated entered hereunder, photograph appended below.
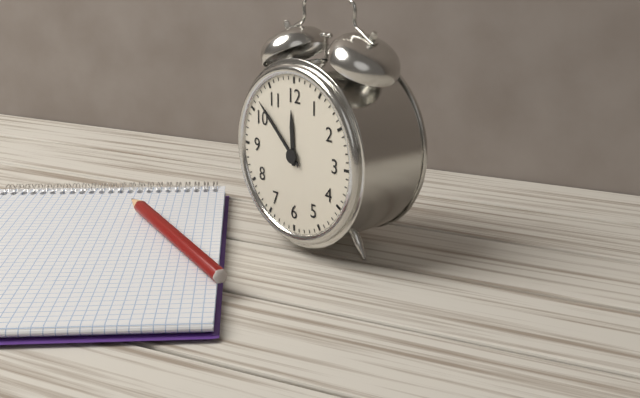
11:52
